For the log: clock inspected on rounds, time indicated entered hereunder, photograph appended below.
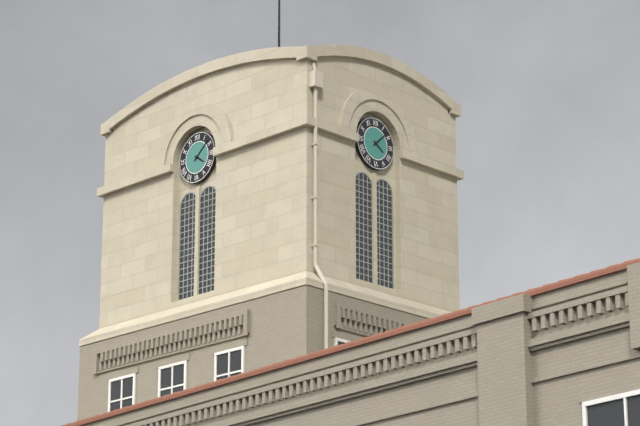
4:08
